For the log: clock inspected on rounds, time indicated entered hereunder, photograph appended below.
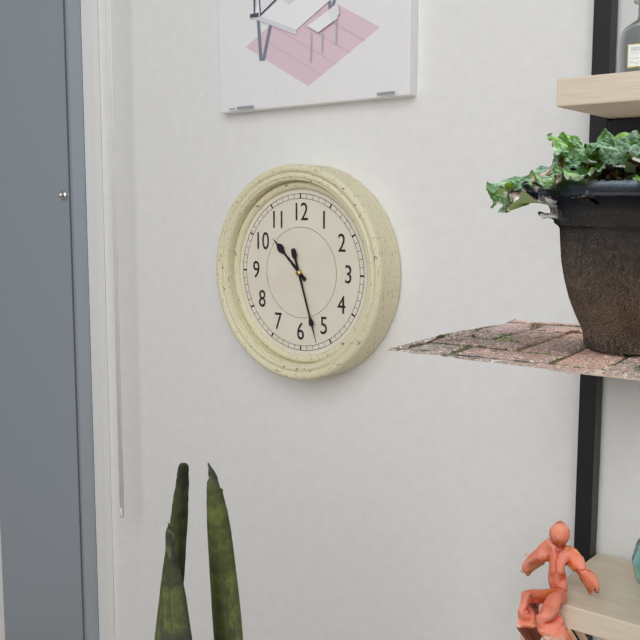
10:27
